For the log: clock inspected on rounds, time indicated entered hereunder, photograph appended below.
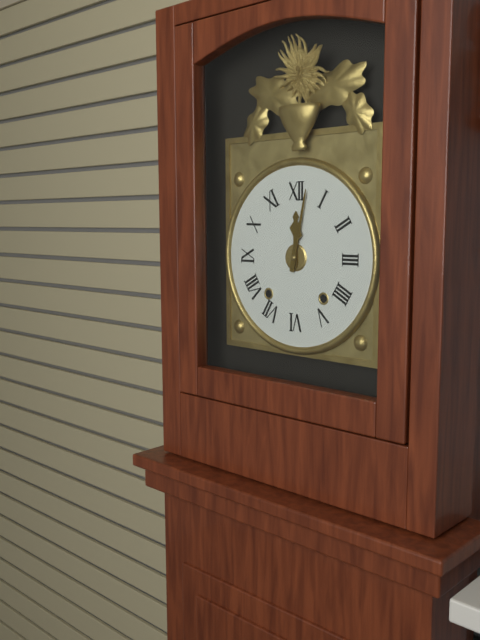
12:02
